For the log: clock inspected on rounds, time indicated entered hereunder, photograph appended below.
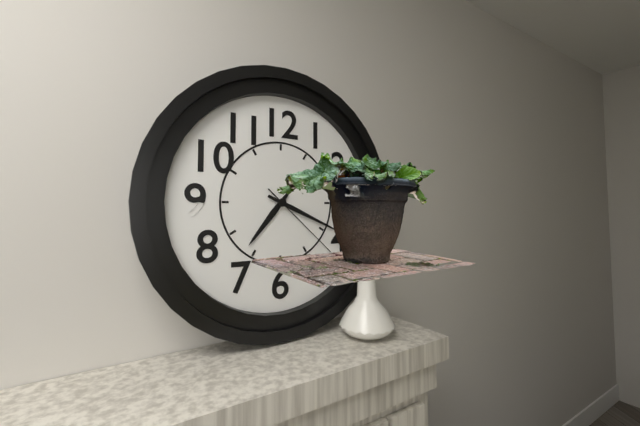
7:19:22
